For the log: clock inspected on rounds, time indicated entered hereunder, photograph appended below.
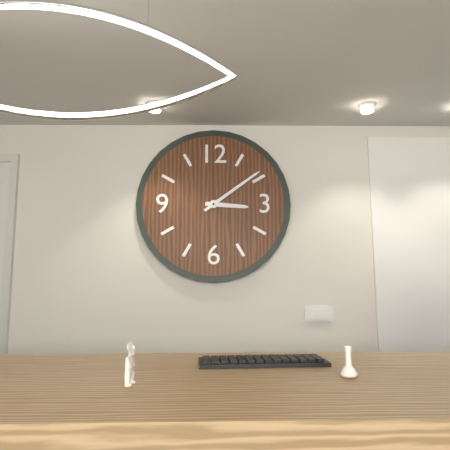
3:09
